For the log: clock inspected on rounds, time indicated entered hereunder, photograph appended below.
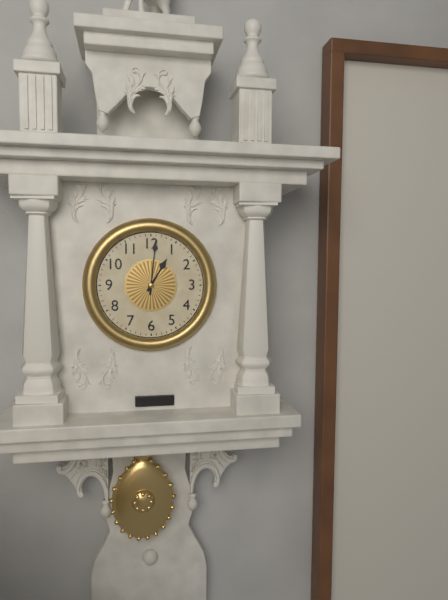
1:01
